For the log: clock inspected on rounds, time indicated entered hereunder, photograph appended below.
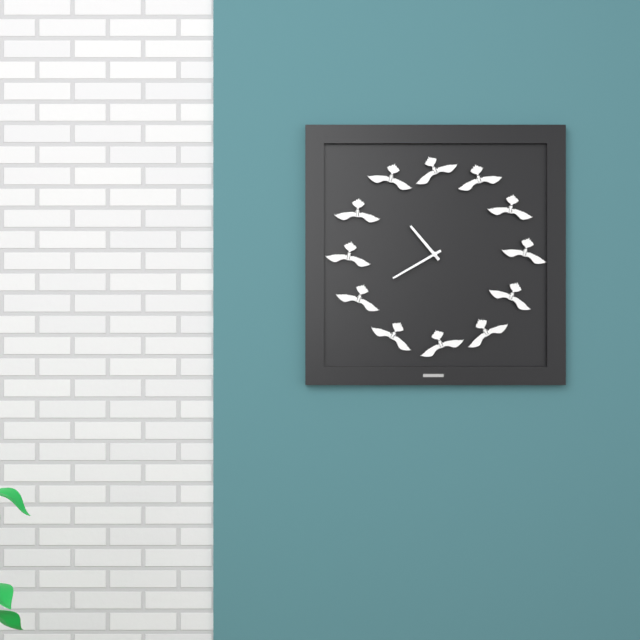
10:40
